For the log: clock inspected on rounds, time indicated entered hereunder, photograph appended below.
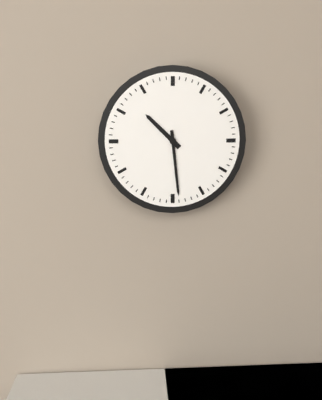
10:29
